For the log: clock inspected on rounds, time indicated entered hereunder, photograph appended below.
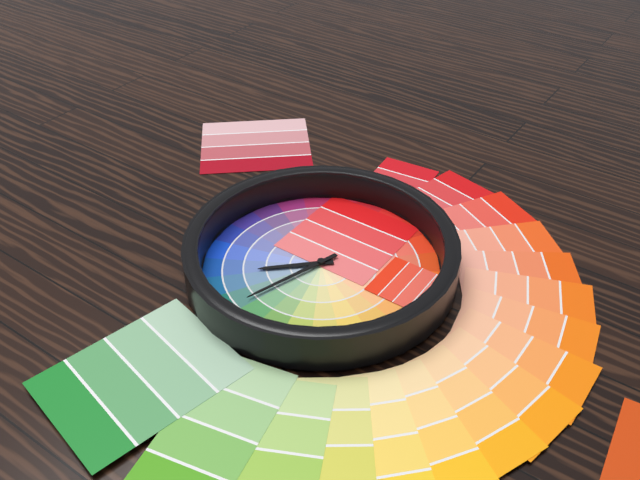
7:33
